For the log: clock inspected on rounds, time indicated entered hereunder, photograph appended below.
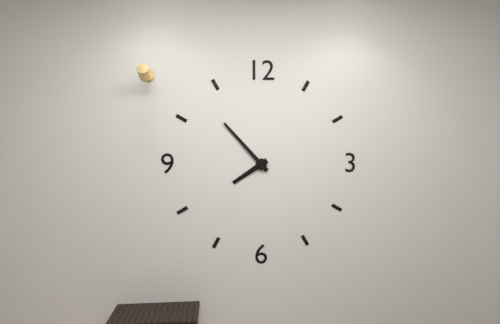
7:53
